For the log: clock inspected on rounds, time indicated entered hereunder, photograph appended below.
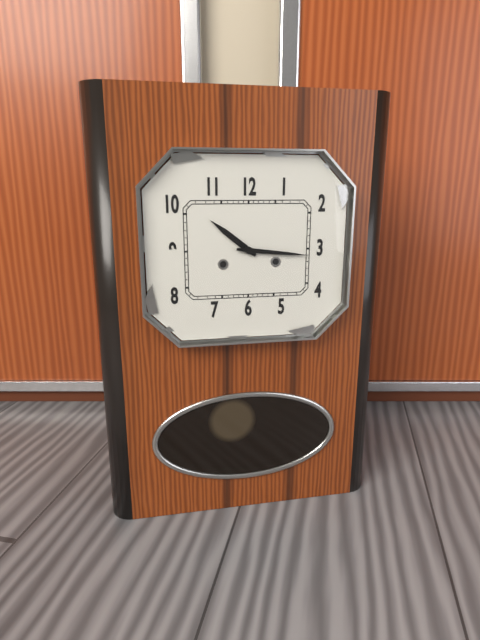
10:16
